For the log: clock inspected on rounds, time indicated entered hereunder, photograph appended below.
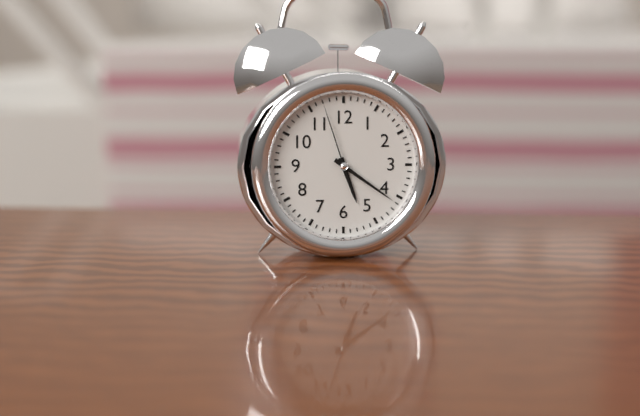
5:21:57
